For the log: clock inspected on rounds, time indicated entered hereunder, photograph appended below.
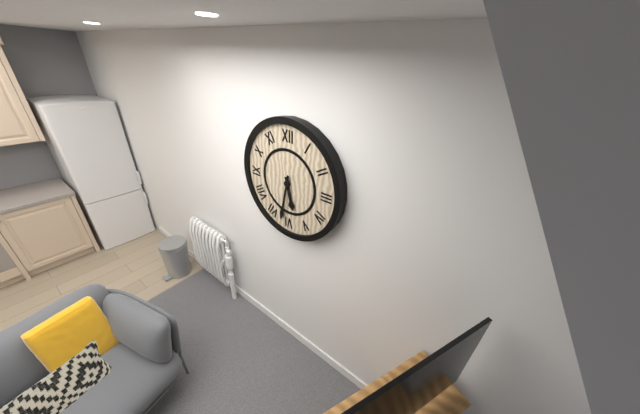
5:32
